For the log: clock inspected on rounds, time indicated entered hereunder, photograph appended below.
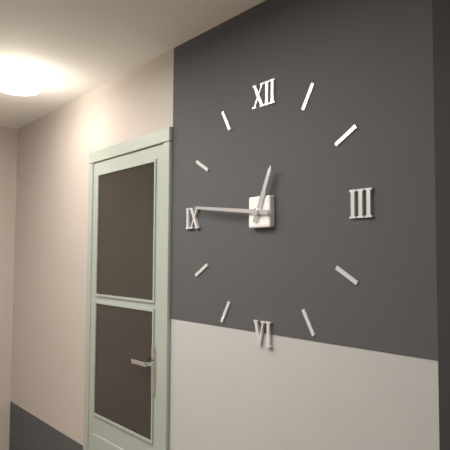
12:46
